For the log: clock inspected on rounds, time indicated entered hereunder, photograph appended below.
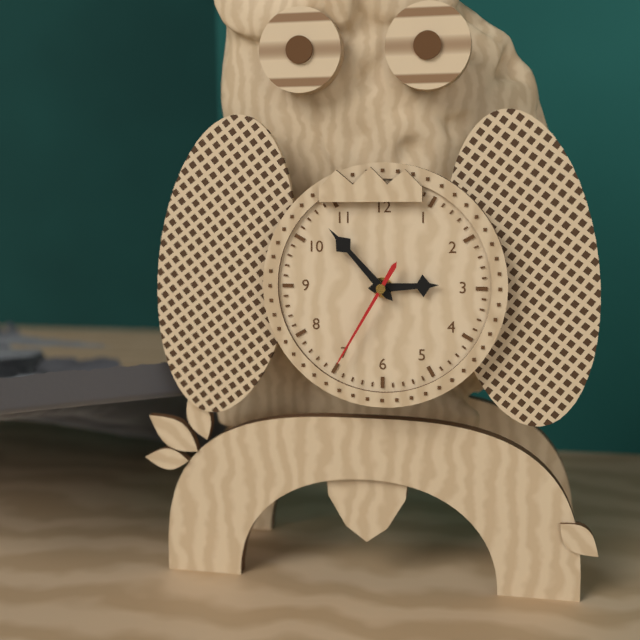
2:53:35
